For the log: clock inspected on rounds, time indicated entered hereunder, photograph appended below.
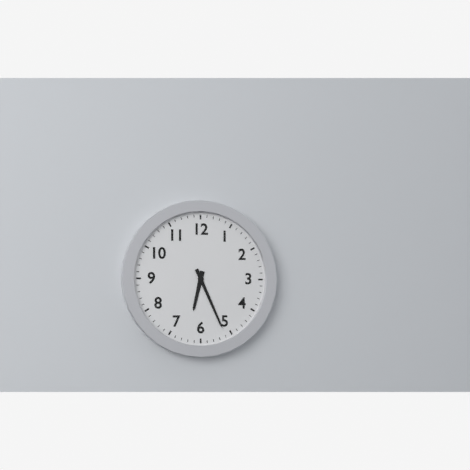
6:26
